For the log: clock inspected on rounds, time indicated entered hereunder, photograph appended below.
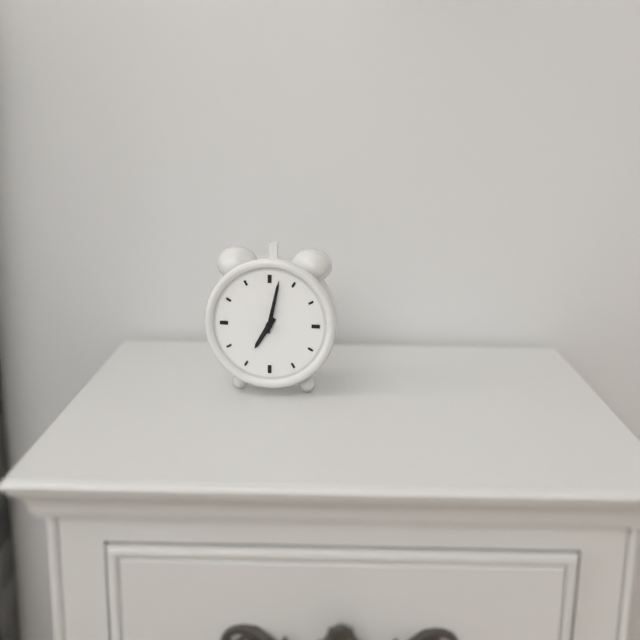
7:02
